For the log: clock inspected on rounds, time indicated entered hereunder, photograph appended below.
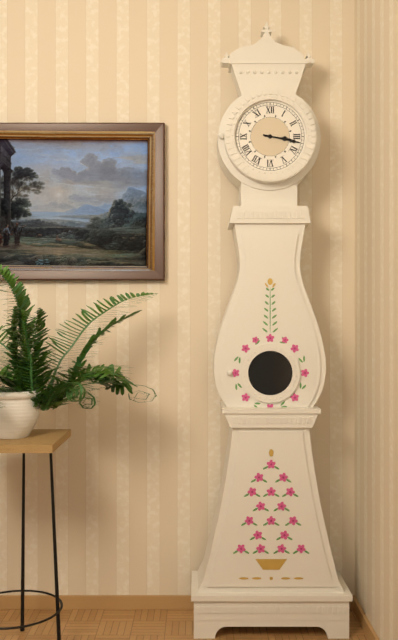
3:17
